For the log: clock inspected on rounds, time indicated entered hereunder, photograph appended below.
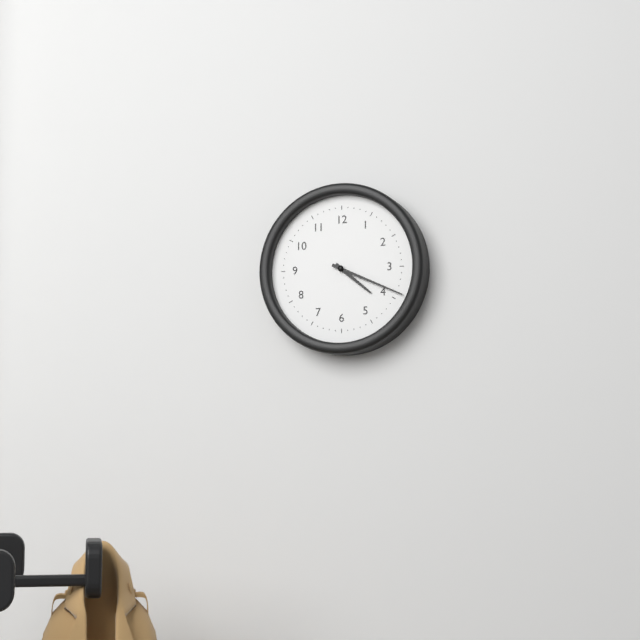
4:19
